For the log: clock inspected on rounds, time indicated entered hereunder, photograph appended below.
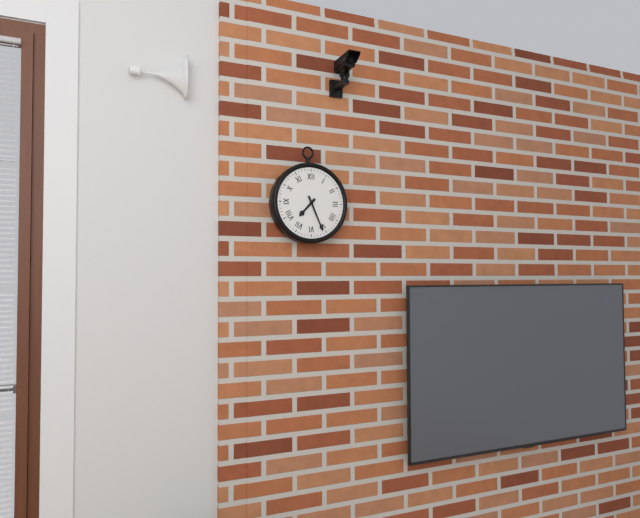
7:26
